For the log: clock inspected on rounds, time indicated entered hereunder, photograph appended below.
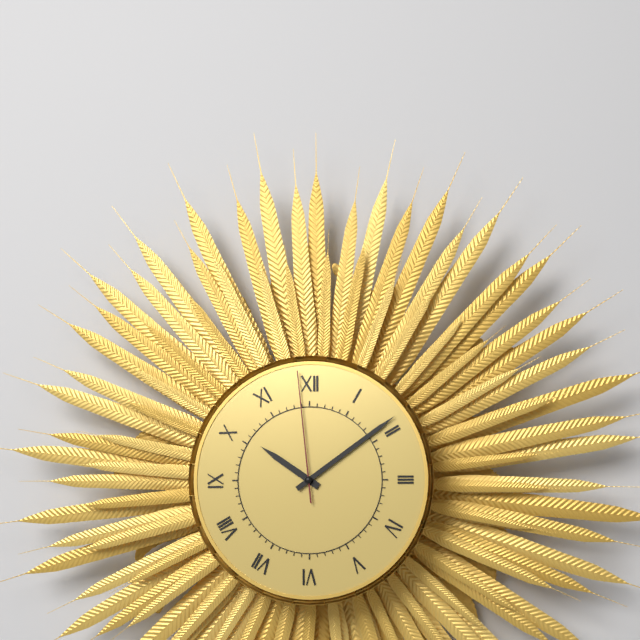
10:09:59
